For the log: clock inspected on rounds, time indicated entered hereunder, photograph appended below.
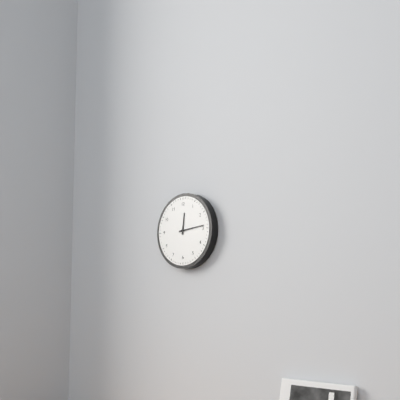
12:14
